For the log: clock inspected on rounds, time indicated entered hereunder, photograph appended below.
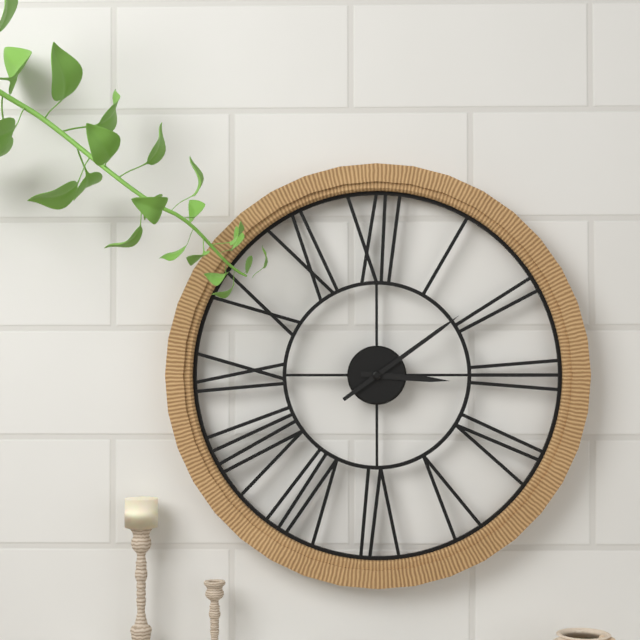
3:09
